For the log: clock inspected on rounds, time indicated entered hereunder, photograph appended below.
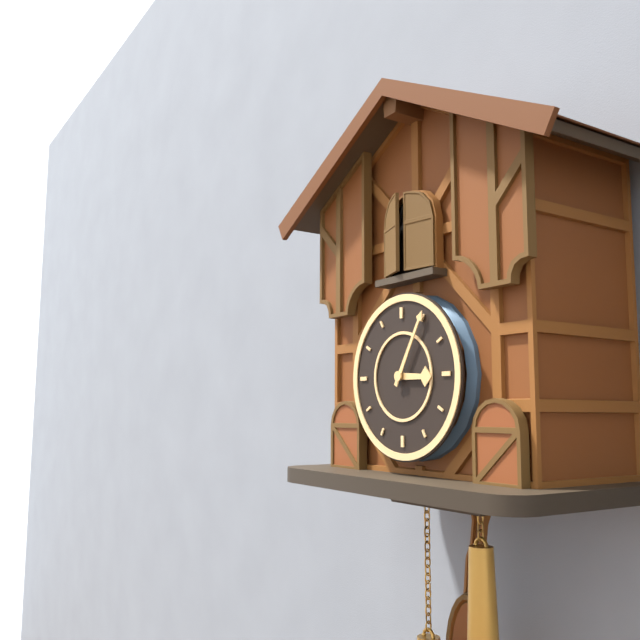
3:05
